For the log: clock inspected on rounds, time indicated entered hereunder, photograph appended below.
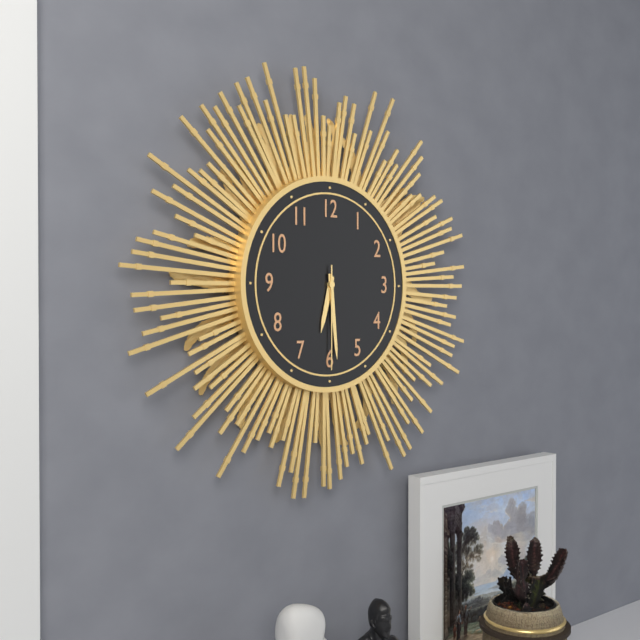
6:29:30
